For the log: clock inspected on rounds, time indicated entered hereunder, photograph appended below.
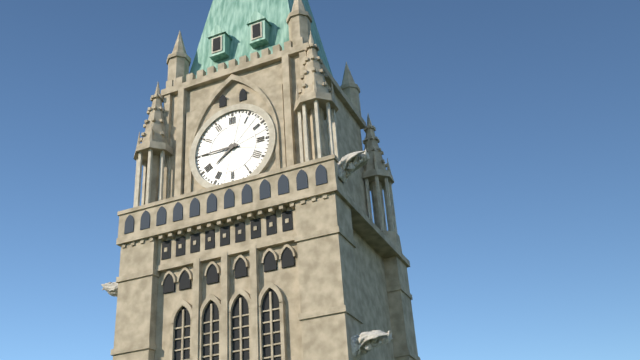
7:45
